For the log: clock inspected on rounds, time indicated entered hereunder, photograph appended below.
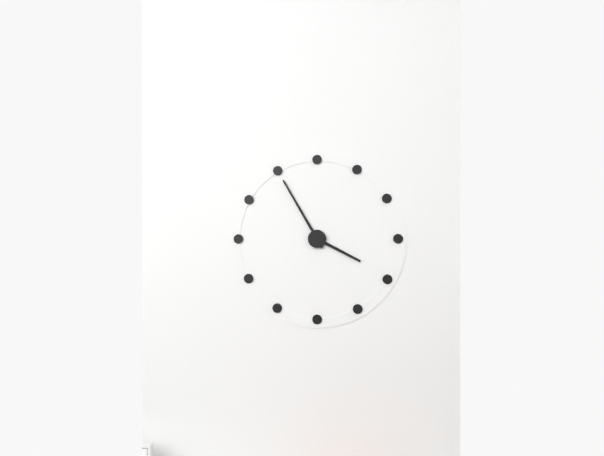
3:55
